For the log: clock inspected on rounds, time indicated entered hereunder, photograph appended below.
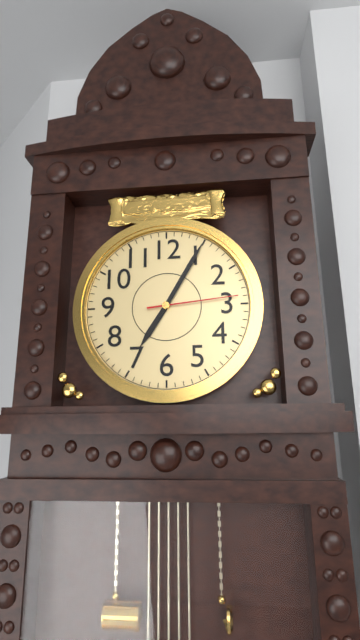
7:05:14
